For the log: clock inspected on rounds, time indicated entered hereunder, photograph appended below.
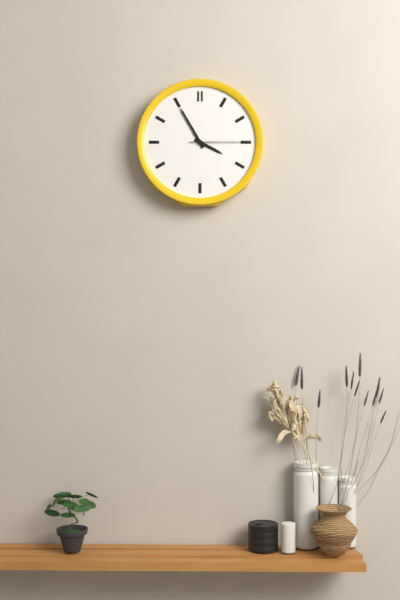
3:55:15
